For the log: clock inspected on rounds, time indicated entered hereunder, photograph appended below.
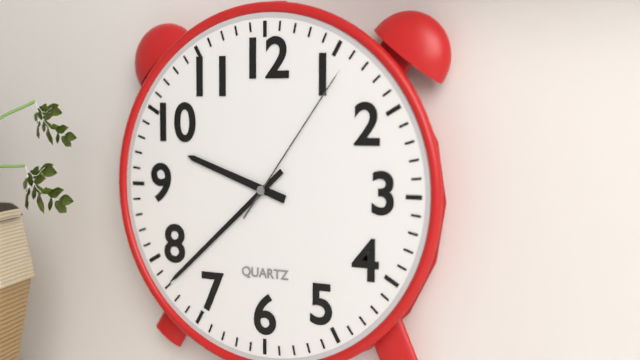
9:38:06
